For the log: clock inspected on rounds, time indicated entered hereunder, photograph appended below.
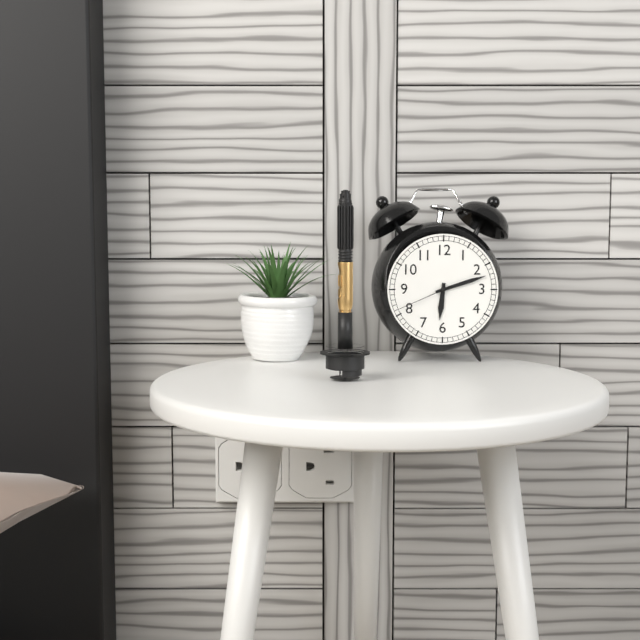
6:12:41
